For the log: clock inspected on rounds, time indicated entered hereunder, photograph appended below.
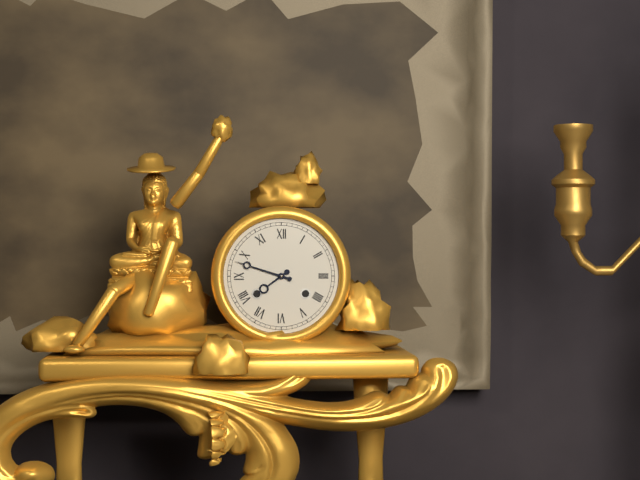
7:48
